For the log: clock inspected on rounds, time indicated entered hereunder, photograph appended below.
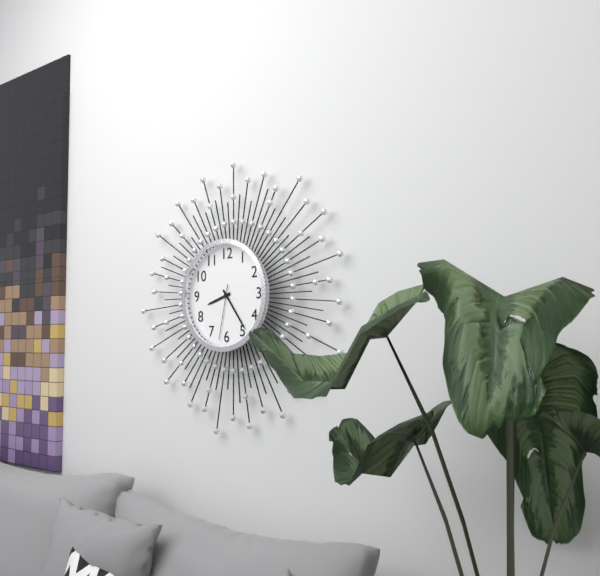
8:24:32
